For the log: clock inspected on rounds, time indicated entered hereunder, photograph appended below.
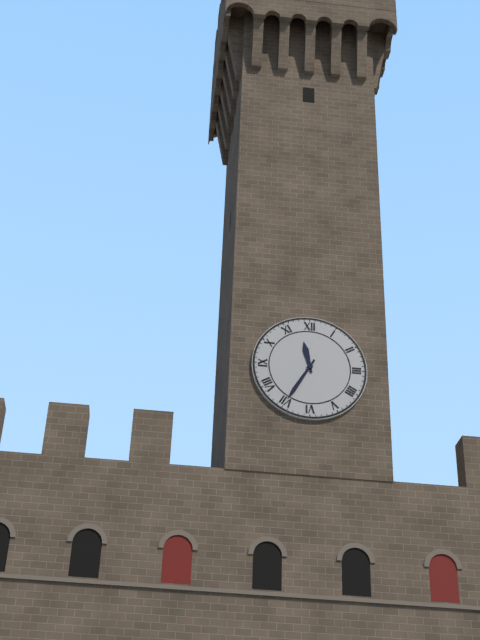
11:35
